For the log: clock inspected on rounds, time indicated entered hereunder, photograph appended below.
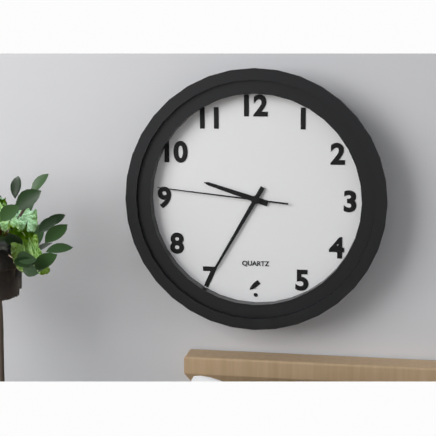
9:35:46
